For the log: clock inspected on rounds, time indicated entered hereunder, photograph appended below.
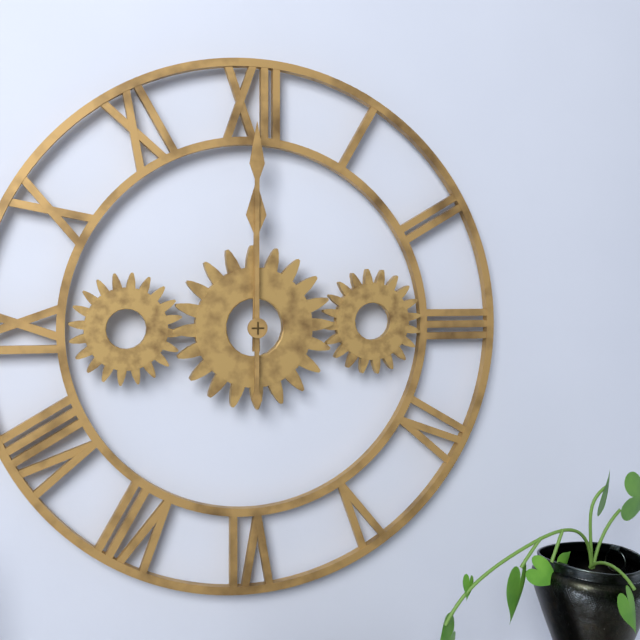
12:00
